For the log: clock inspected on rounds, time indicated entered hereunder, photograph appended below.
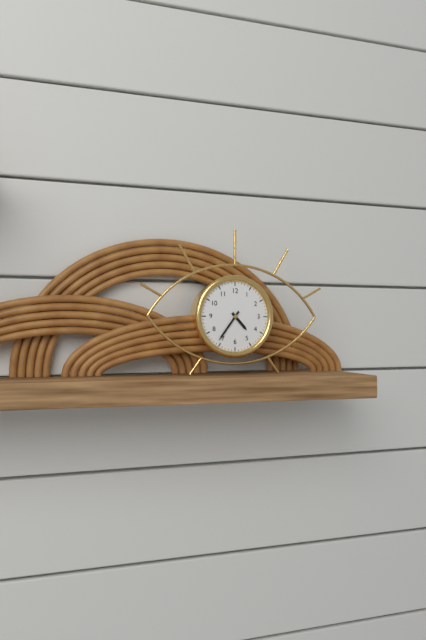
4:36
